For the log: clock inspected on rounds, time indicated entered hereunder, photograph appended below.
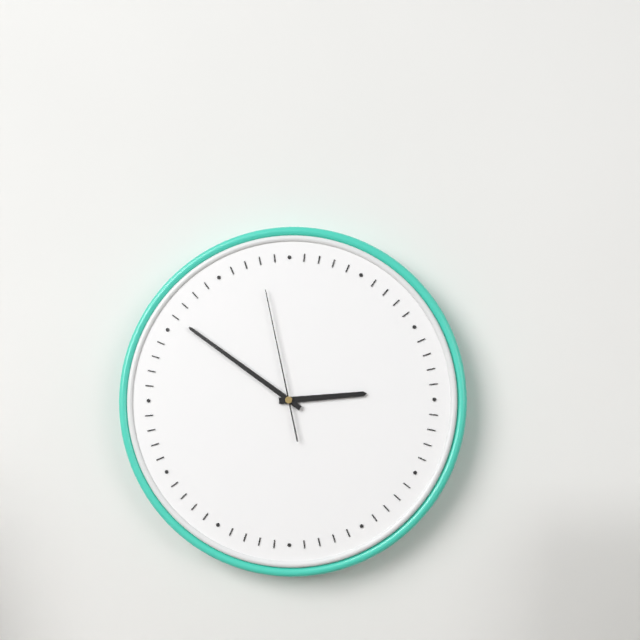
2:51:58
